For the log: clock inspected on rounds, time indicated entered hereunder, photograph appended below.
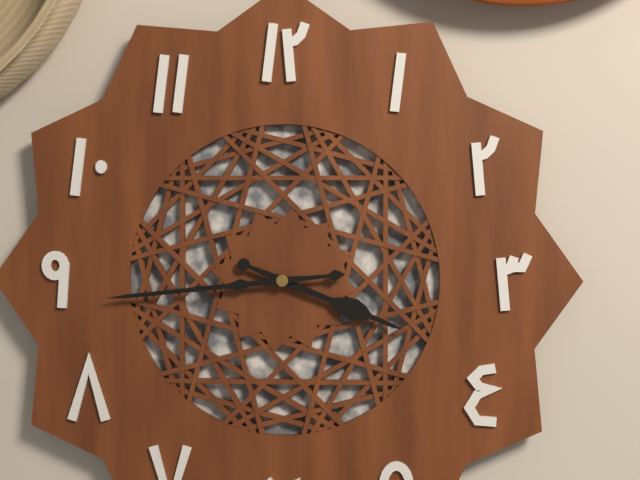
3:44
